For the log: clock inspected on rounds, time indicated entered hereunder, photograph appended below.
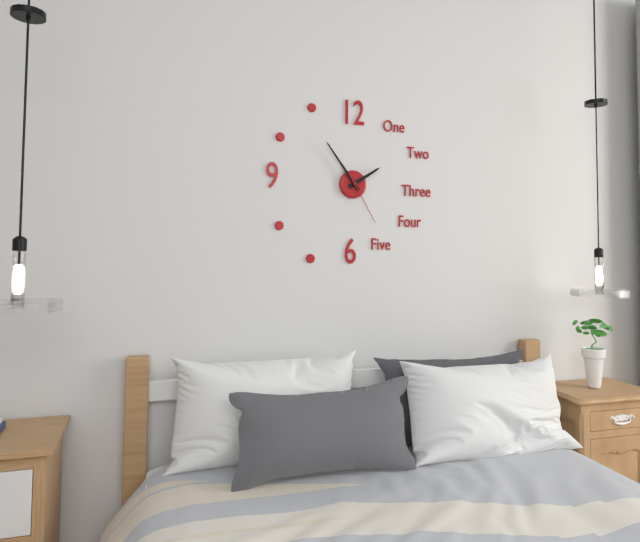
1:54:25
